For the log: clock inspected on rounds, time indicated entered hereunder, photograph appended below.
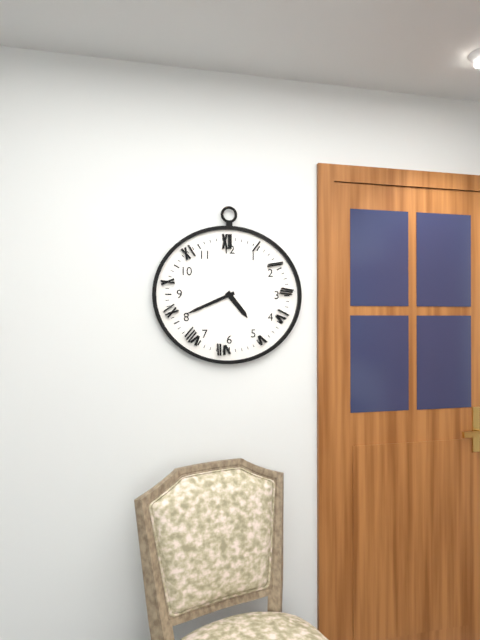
4:41
